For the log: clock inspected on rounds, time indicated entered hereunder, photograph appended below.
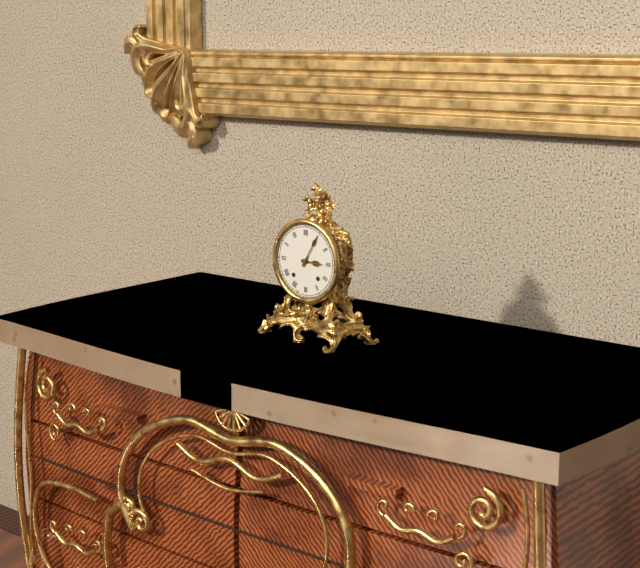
3:05
